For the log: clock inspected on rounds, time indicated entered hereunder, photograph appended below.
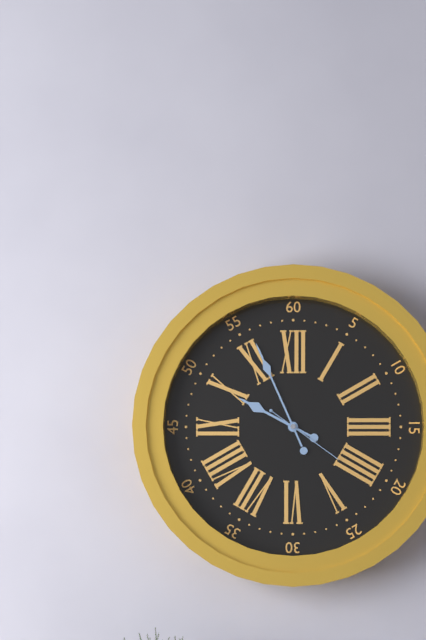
9:56:21
